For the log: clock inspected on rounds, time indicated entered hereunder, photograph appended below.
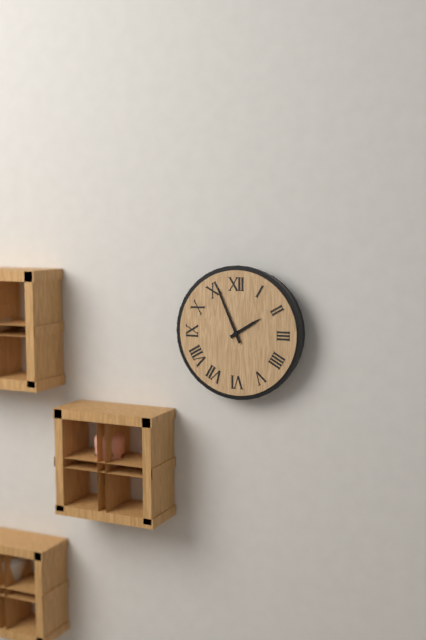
1:56
